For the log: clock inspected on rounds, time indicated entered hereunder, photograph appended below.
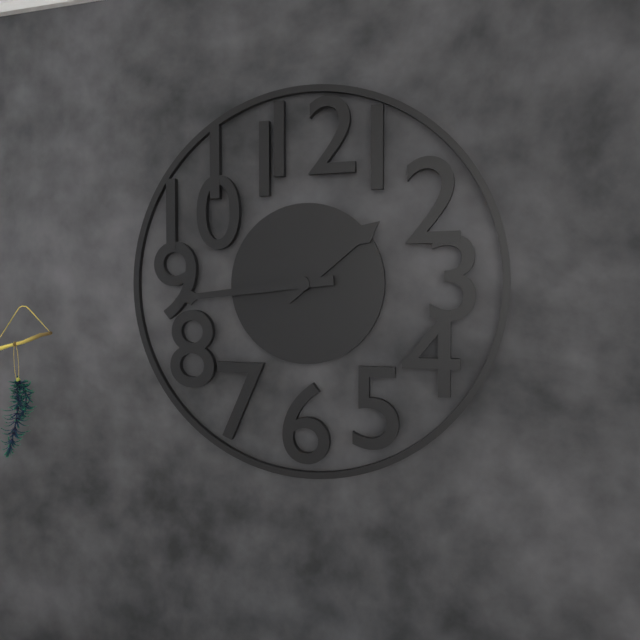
1:44
